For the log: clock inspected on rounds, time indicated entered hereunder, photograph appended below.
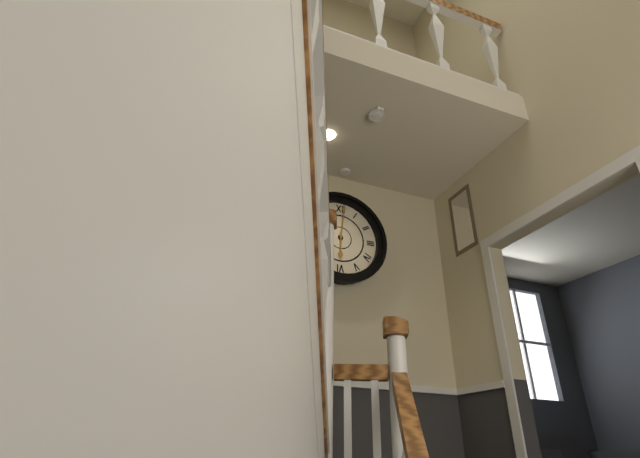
6:01
